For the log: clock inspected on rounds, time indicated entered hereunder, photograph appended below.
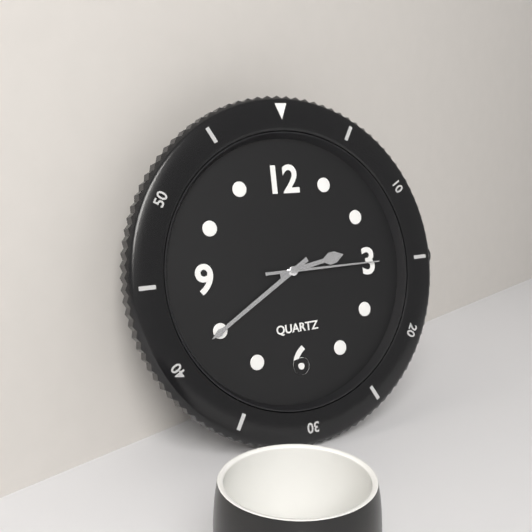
2:40:15
